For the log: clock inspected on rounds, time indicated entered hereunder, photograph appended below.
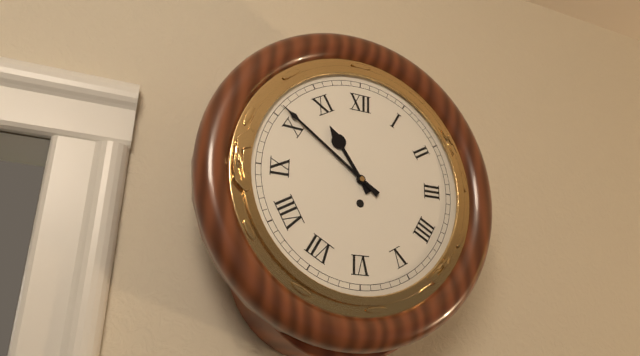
10:51
